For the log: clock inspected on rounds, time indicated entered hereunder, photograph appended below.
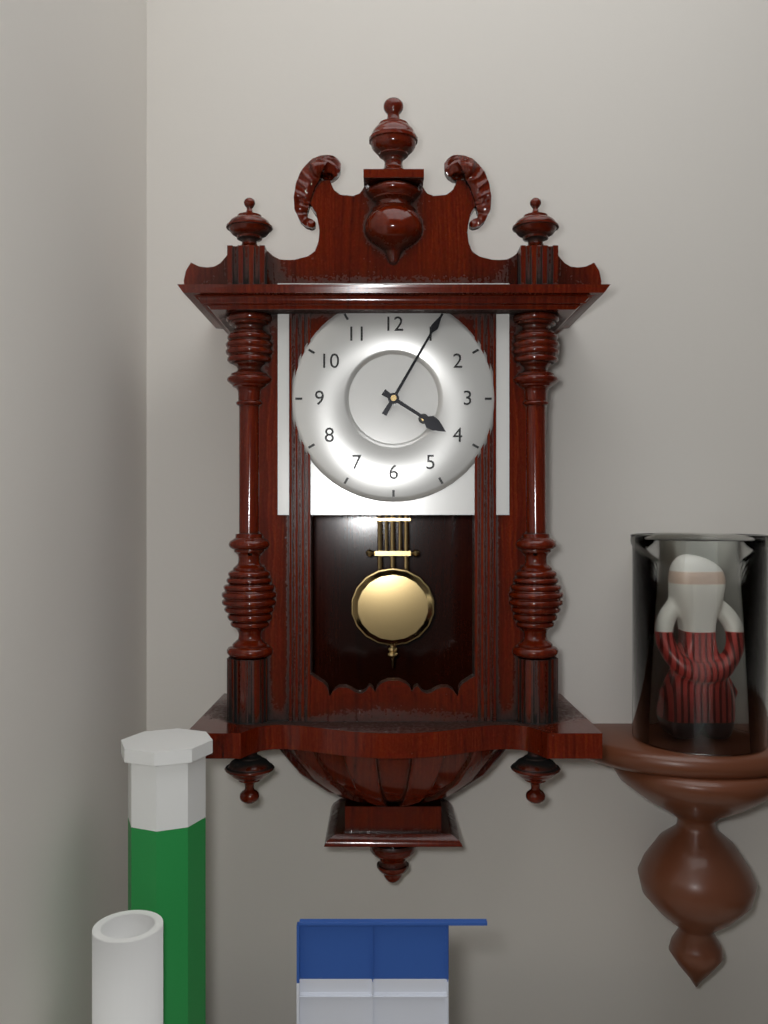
4:05
